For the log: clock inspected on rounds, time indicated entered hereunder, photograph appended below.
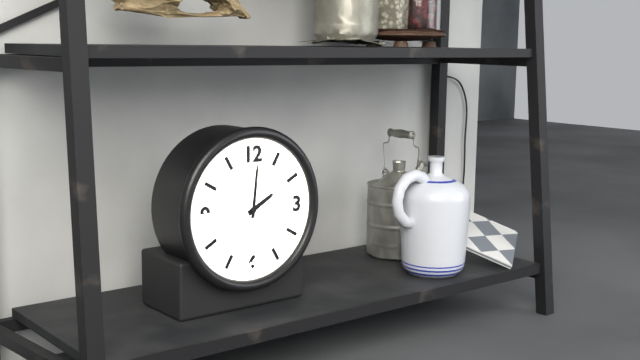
2:01
